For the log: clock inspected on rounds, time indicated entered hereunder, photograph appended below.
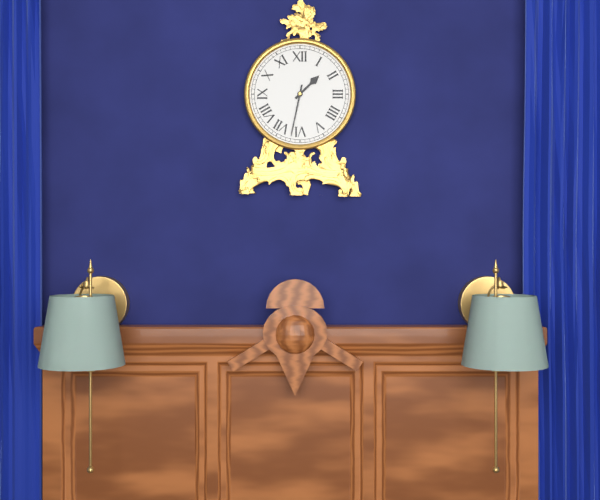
1:32
